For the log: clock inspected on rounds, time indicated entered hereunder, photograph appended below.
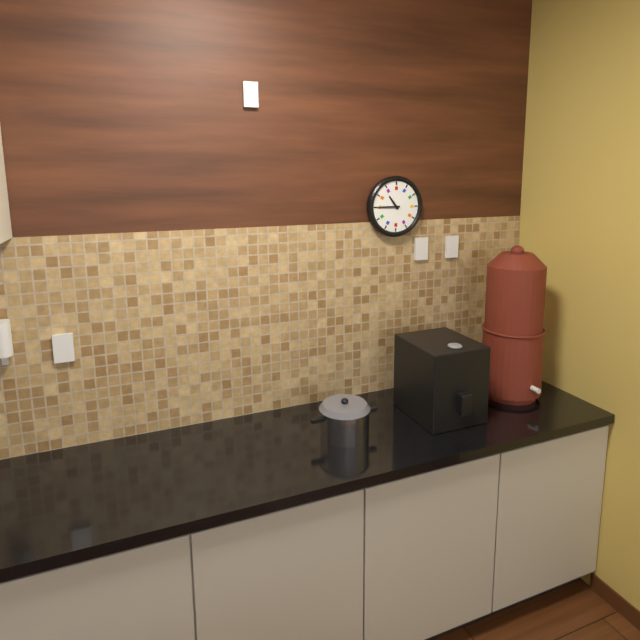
10:45
